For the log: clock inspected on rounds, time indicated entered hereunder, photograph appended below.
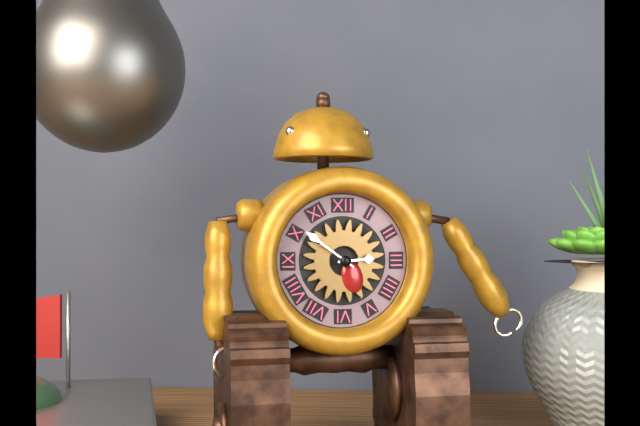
2:51
